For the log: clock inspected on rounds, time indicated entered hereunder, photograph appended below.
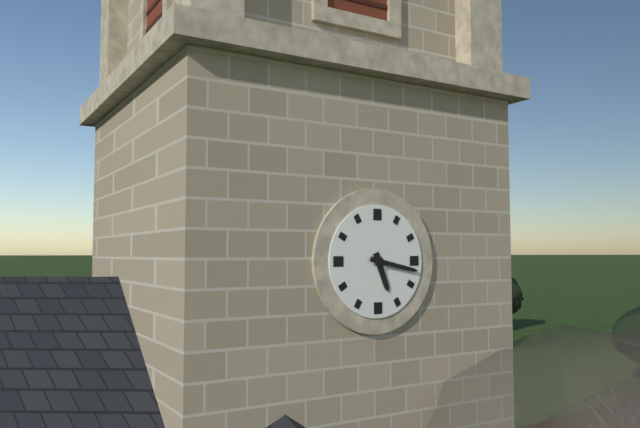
5:17
